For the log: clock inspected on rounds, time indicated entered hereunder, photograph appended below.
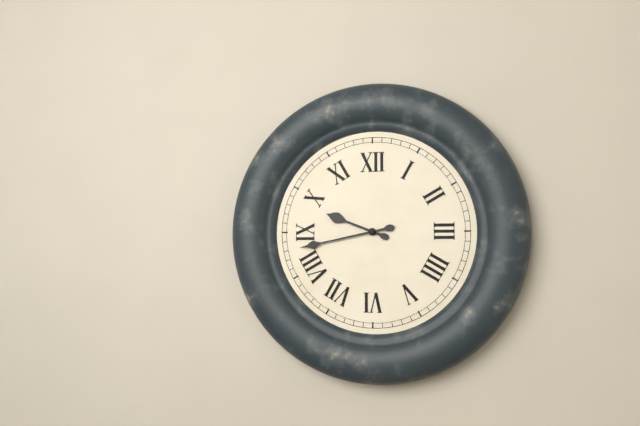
9:43
